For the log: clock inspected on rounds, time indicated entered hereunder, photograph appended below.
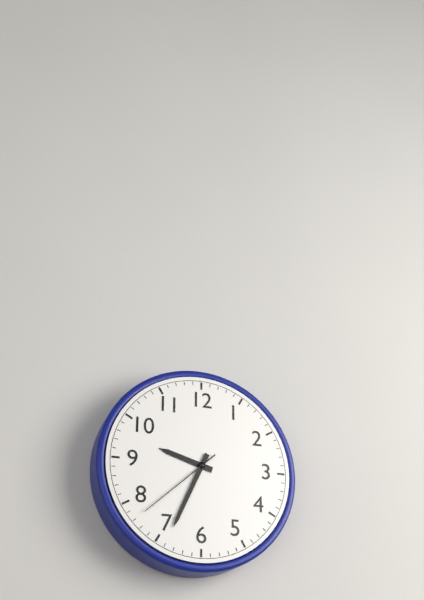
9:34:38
